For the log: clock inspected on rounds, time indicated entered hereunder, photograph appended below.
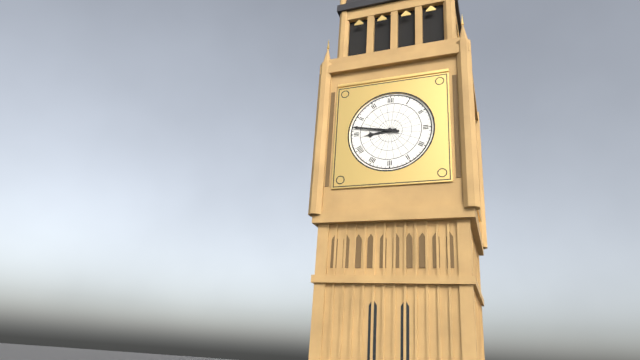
8:47
